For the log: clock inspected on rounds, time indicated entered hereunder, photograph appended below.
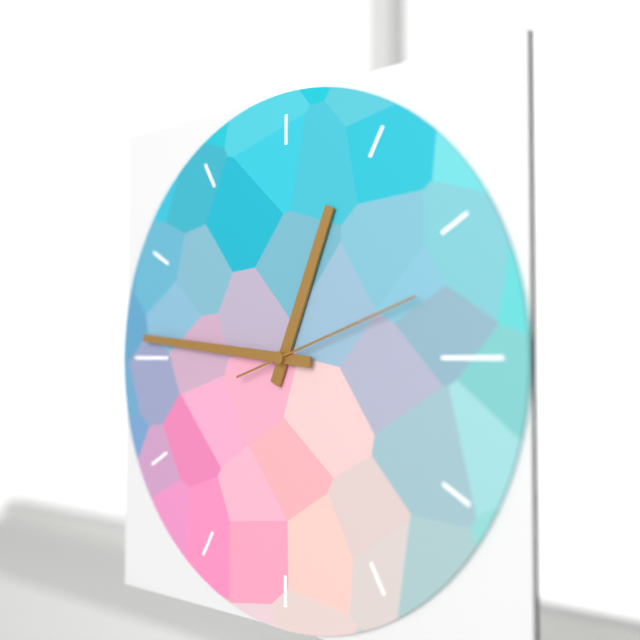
12:46:12
